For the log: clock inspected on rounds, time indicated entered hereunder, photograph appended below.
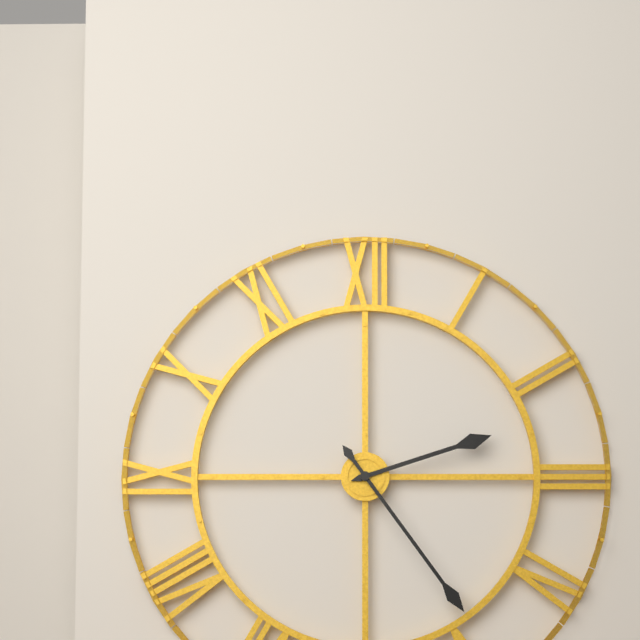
2:24
